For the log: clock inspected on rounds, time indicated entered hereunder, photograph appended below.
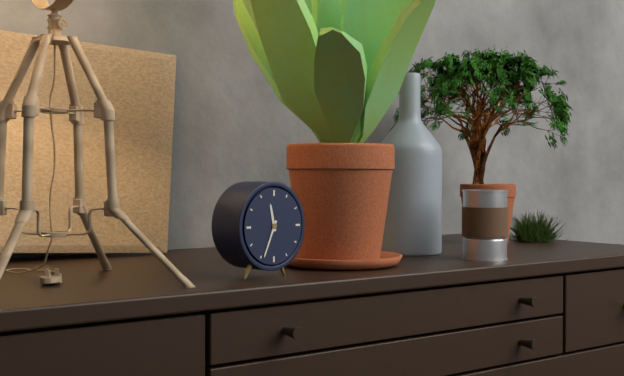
11:34
